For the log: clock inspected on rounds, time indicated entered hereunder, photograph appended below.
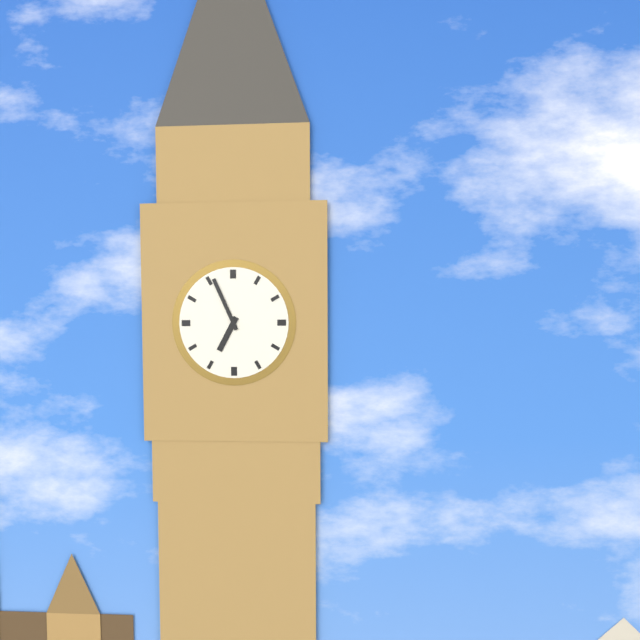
6:56
